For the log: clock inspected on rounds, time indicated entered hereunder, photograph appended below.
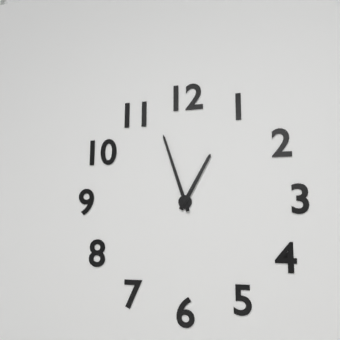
12:57
